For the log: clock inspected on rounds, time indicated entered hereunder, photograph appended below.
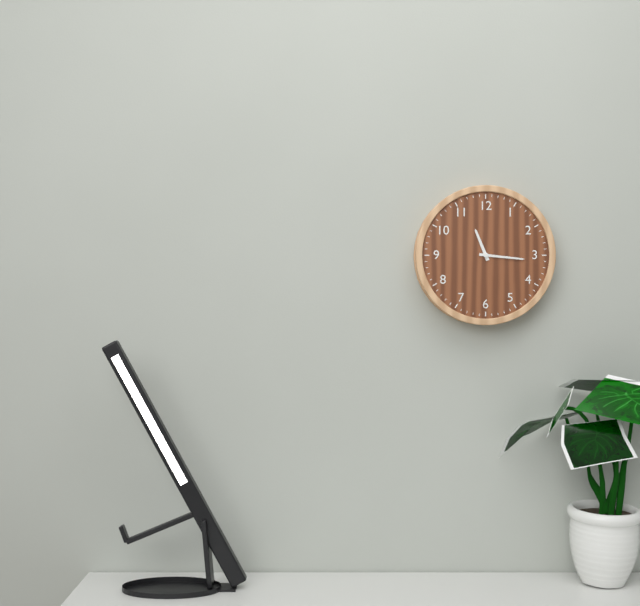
11:16
